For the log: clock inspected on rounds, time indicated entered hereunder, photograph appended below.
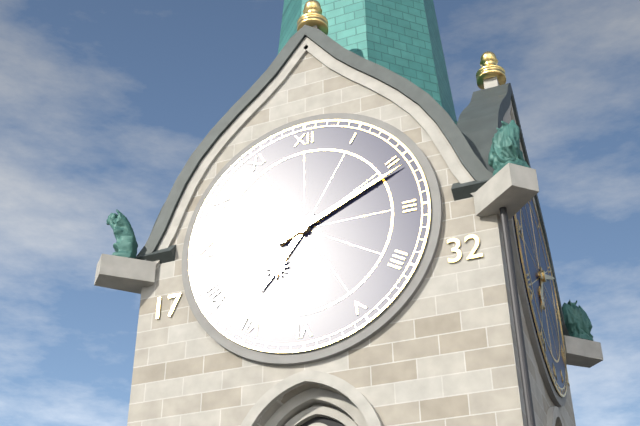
7:11
